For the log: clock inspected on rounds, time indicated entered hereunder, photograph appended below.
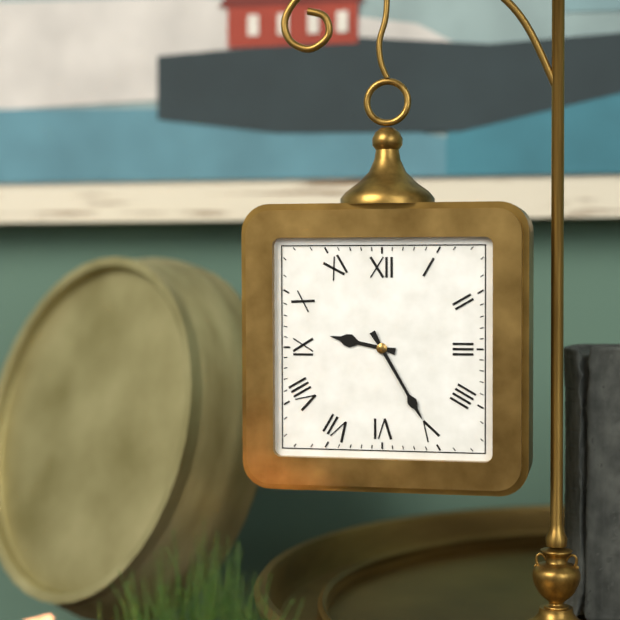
9:25
